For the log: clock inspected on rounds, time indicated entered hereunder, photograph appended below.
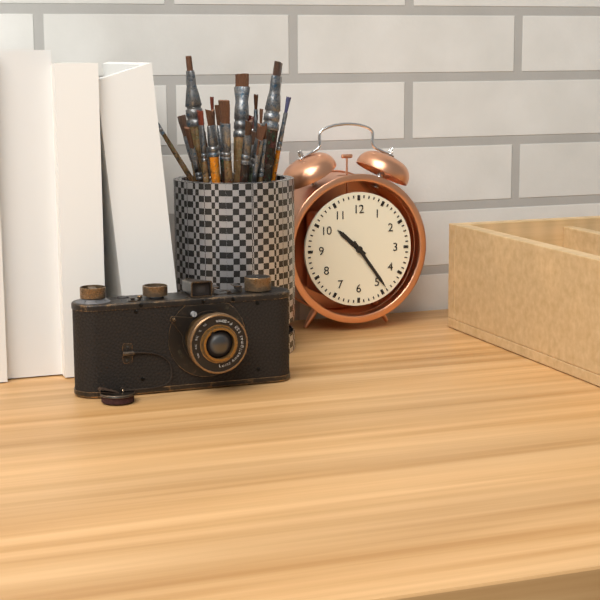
10:24
